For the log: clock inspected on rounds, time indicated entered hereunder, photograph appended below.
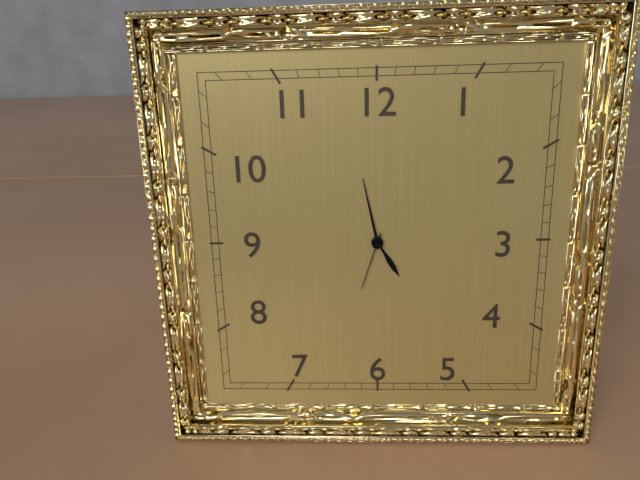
4:58:33
